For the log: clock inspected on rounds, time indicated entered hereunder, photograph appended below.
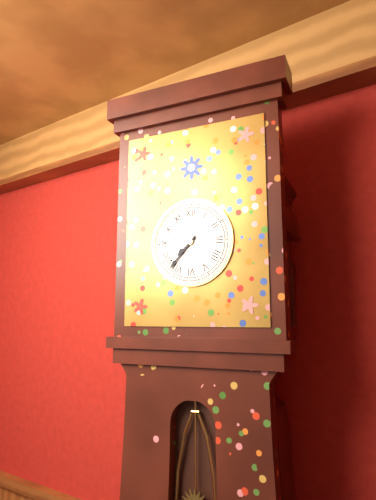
7:37
